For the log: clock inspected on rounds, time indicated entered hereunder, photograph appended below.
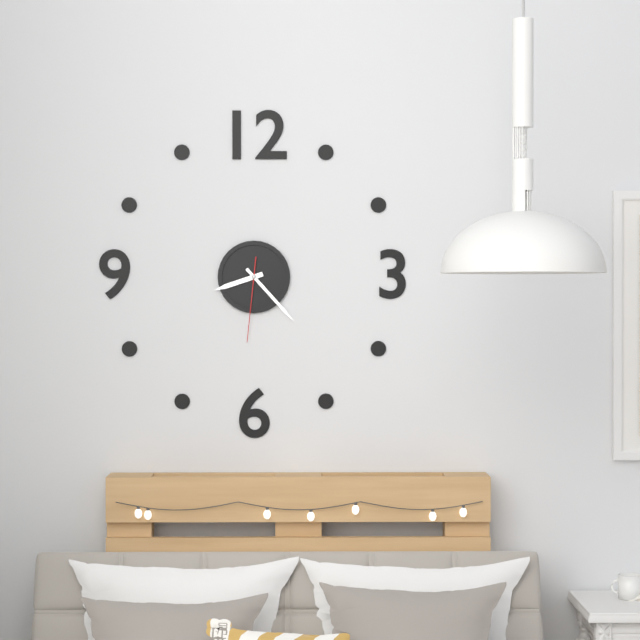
8:23:31
